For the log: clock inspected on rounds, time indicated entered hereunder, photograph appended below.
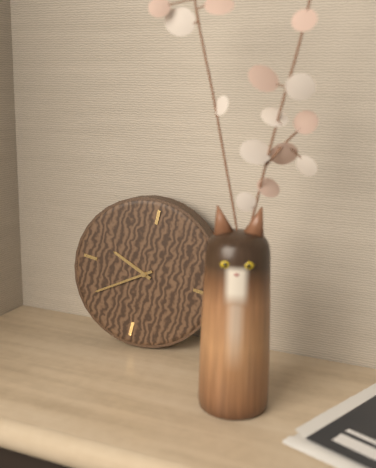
9:39
